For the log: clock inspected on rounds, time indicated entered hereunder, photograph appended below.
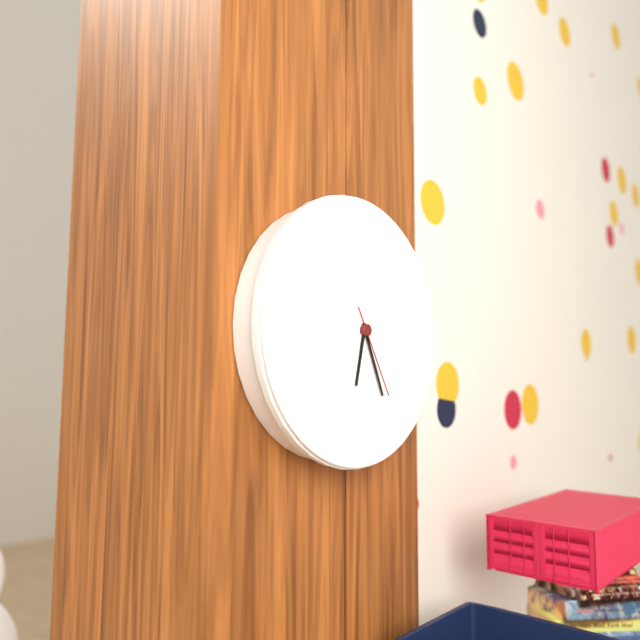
6:26:25
